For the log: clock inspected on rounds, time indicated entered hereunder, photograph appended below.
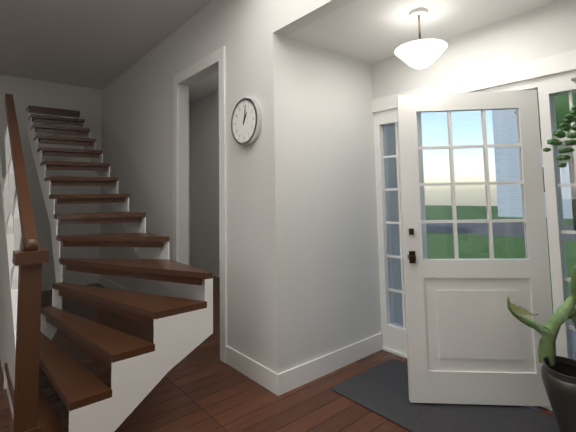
1:02
